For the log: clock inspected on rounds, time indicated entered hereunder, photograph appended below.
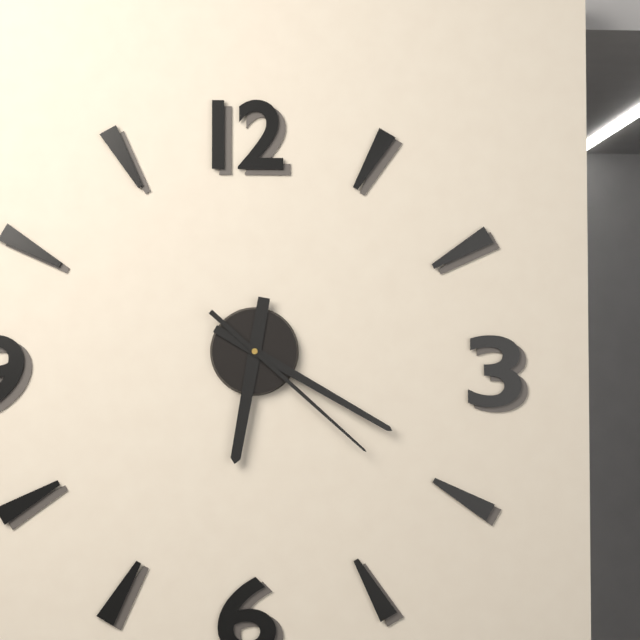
6:20:22
